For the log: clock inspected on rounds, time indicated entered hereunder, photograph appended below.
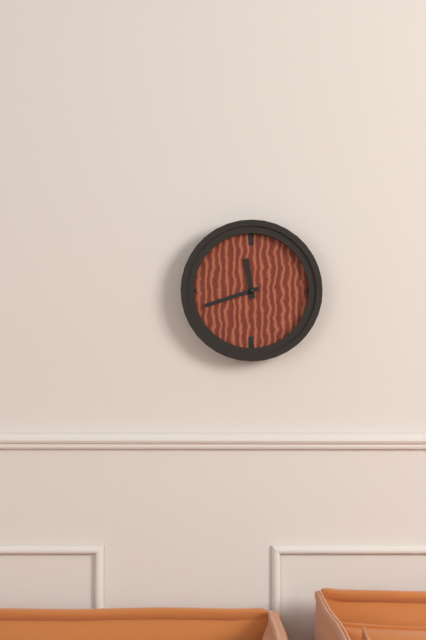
11:42
